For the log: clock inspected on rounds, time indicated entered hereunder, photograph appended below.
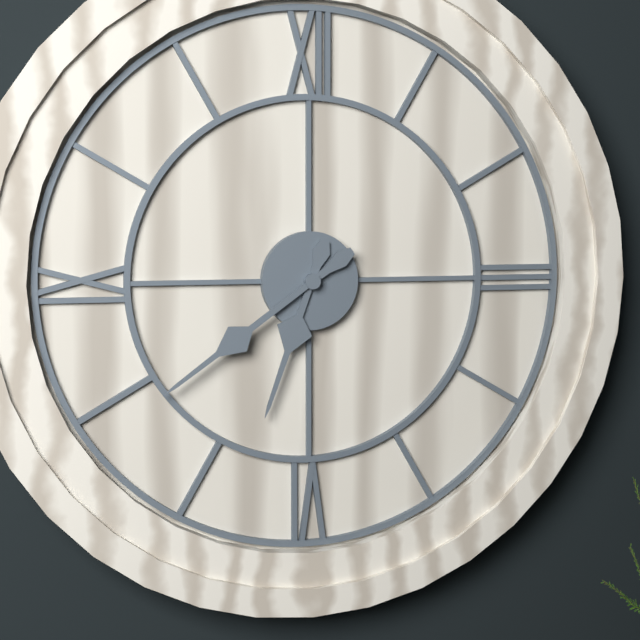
6:39
